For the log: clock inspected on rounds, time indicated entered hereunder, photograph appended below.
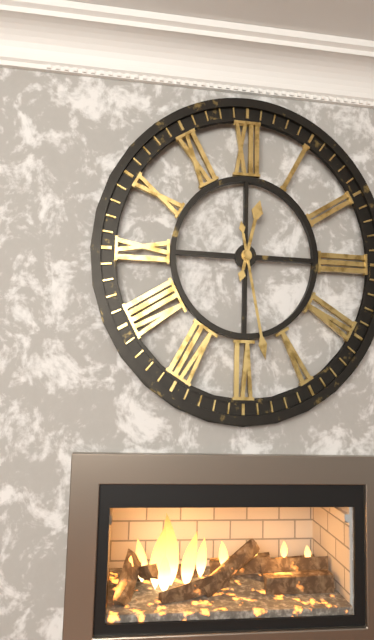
12:28
